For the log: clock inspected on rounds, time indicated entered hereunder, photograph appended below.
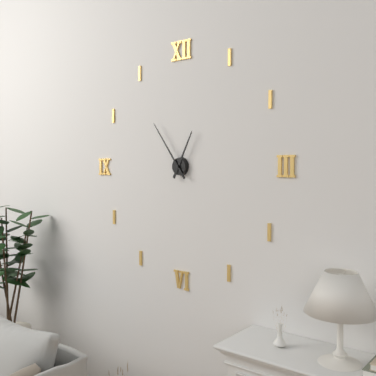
12:54
